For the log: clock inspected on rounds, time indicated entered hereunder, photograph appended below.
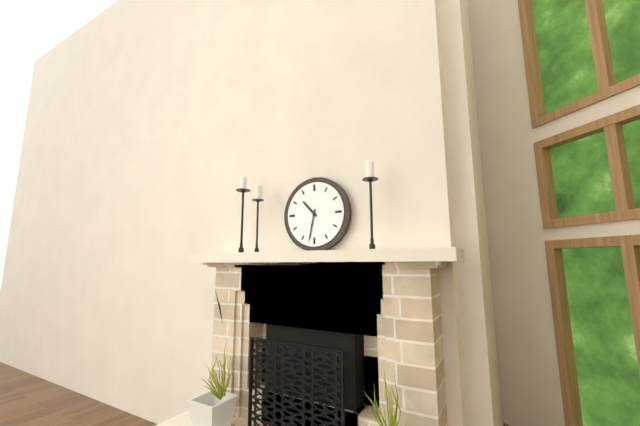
10:32
